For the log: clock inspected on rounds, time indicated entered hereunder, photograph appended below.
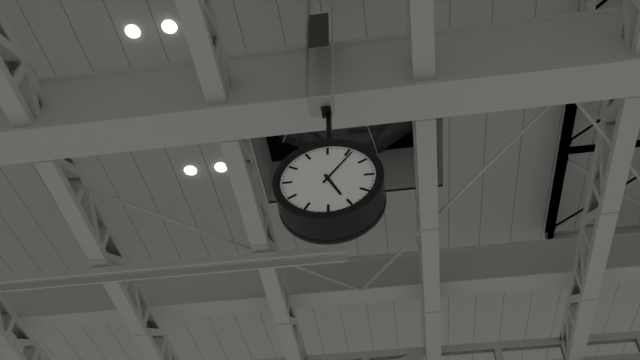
5:06
